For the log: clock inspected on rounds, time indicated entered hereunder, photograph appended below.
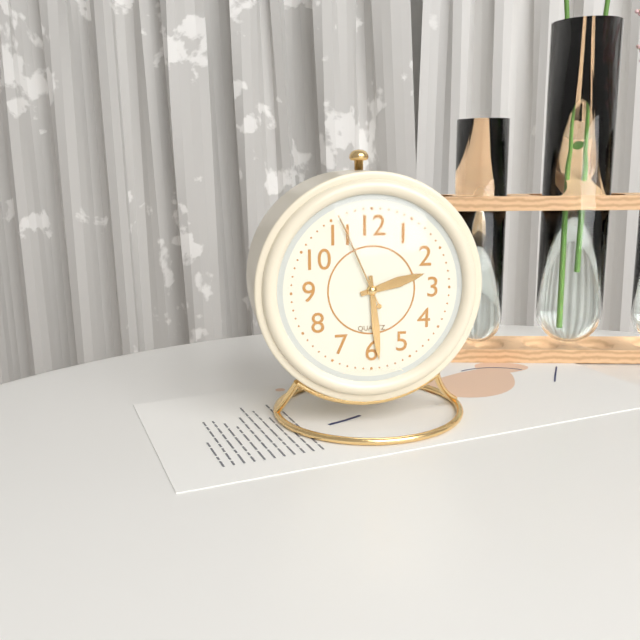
2:29:56
